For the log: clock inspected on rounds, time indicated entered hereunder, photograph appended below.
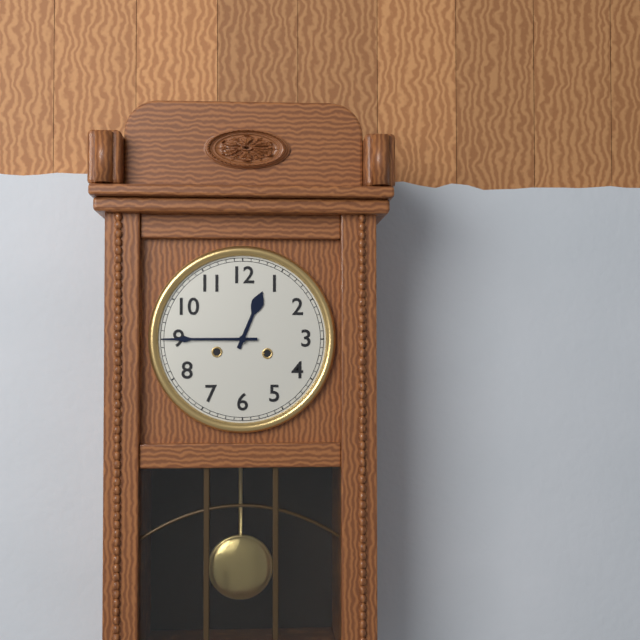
12:45
